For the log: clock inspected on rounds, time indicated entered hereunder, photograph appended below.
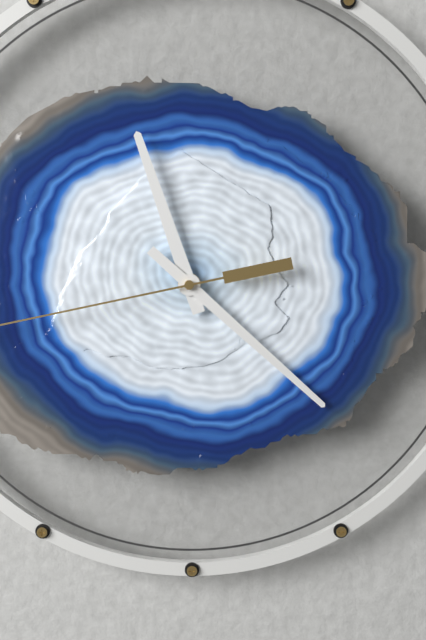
11:22
